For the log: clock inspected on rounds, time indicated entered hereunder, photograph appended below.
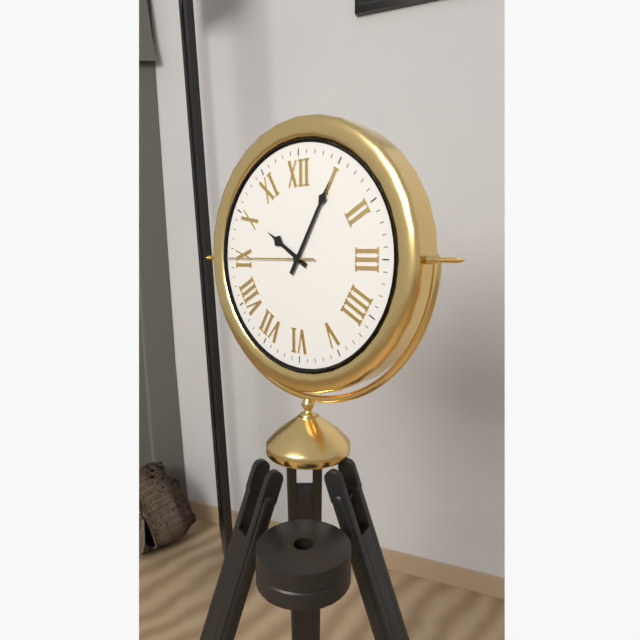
10:05:45
